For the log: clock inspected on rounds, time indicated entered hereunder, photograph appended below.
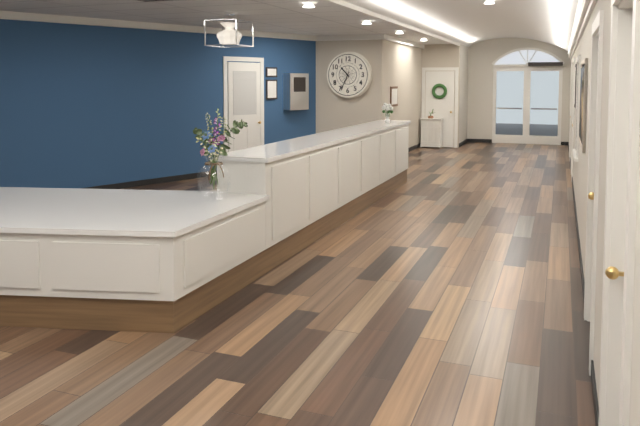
10:34
